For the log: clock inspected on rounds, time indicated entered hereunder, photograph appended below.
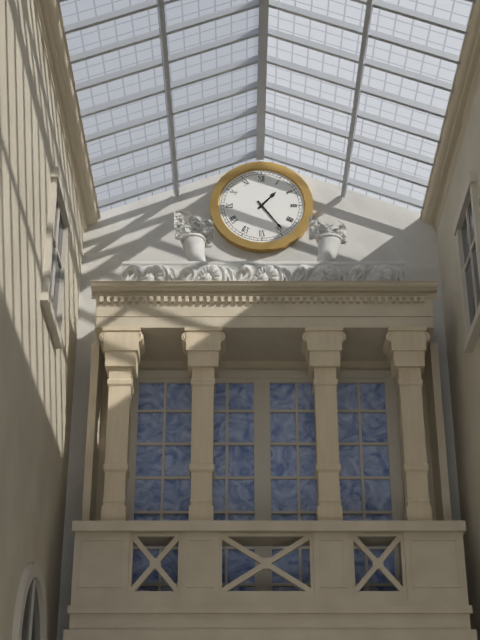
1:24
